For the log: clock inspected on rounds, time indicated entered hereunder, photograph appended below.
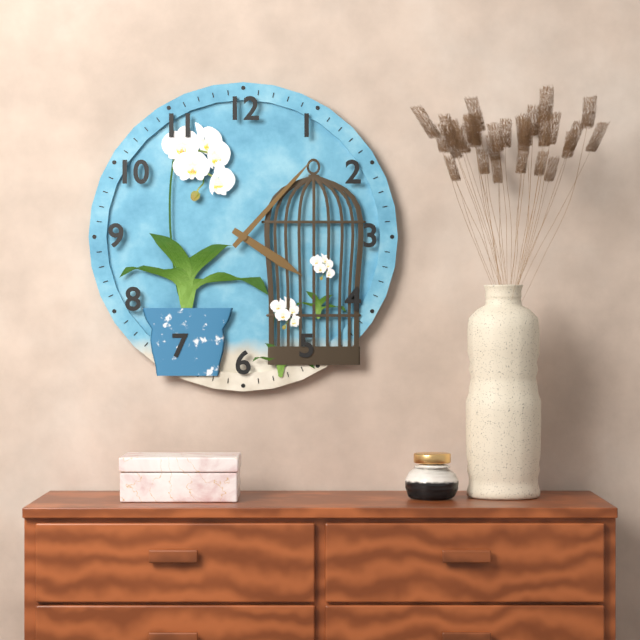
4:07
